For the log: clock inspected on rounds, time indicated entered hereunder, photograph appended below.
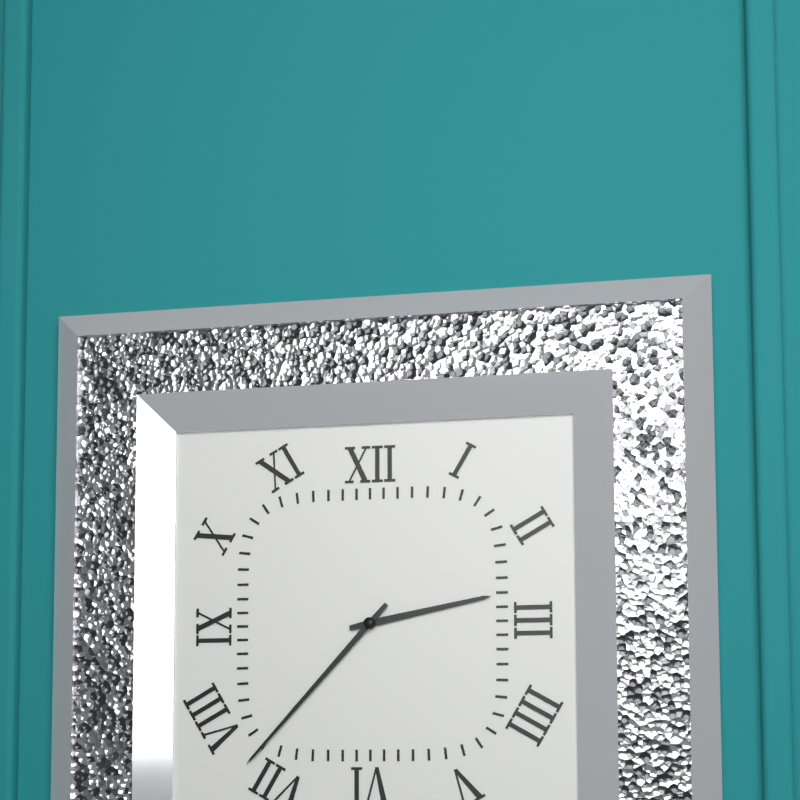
2:37
